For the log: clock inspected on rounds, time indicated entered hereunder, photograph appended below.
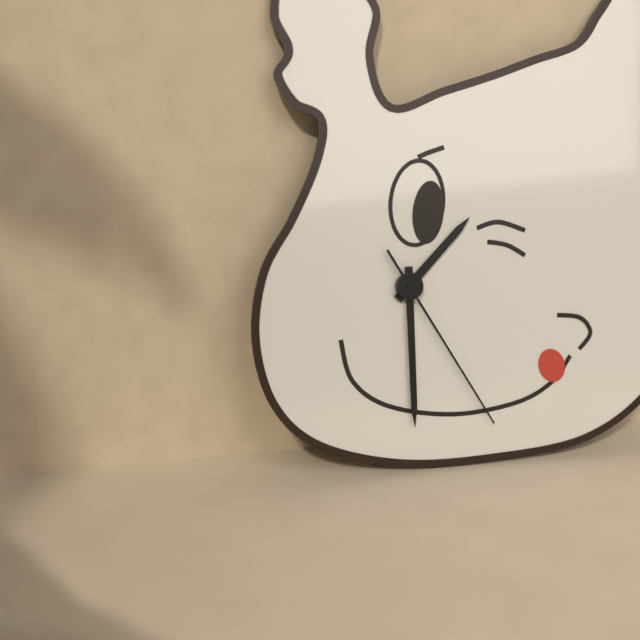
1:30:25
